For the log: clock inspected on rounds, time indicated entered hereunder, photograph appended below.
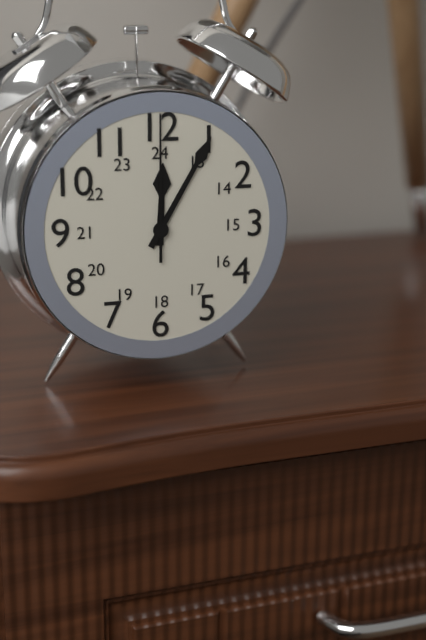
12:05:00
